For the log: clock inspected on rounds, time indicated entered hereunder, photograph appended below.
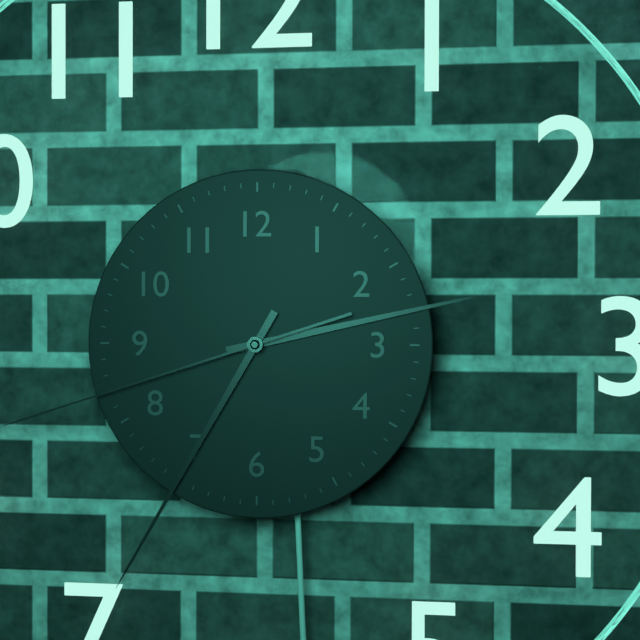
2:35
